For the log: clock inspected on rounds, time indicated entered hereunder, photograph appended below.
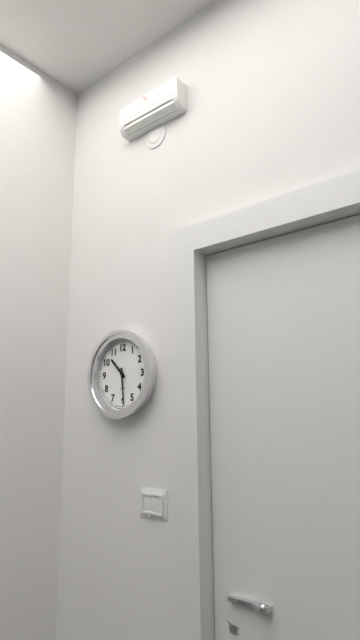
10:29
